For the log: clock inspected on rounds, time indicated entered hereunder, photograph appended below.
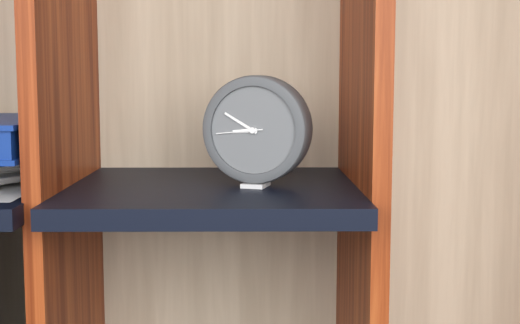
8:50
